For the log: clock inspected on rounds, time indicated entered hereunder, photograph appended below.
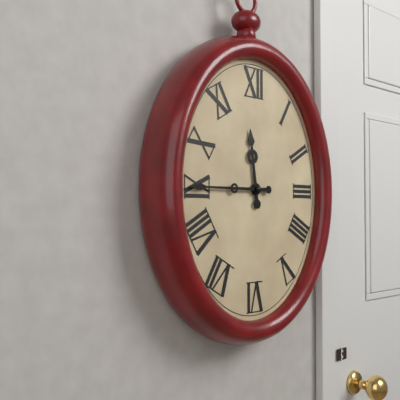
11:45
